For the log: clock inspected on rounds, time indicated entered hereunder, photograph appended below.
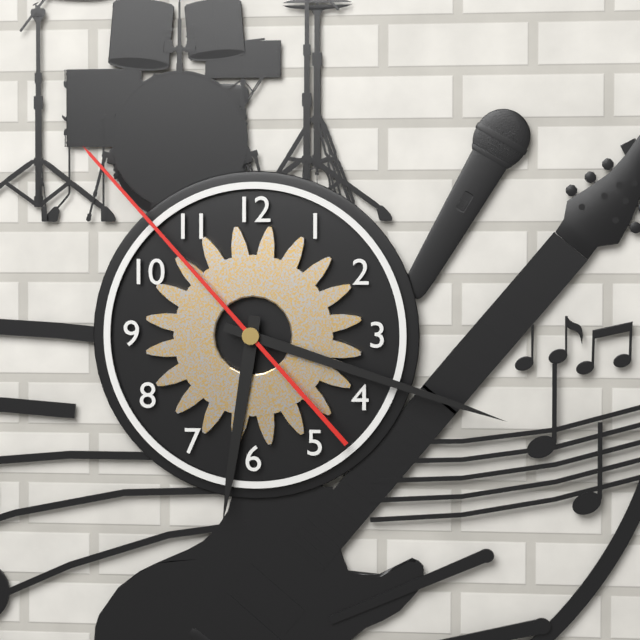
6:18:53
